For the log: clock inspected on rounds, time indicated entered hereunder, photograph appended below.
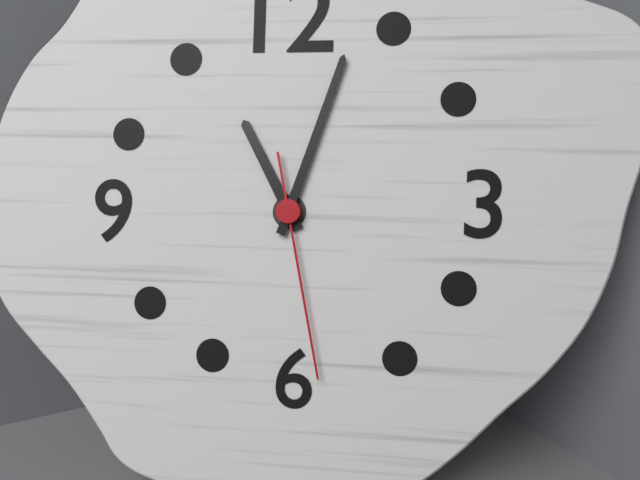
11:03:28
